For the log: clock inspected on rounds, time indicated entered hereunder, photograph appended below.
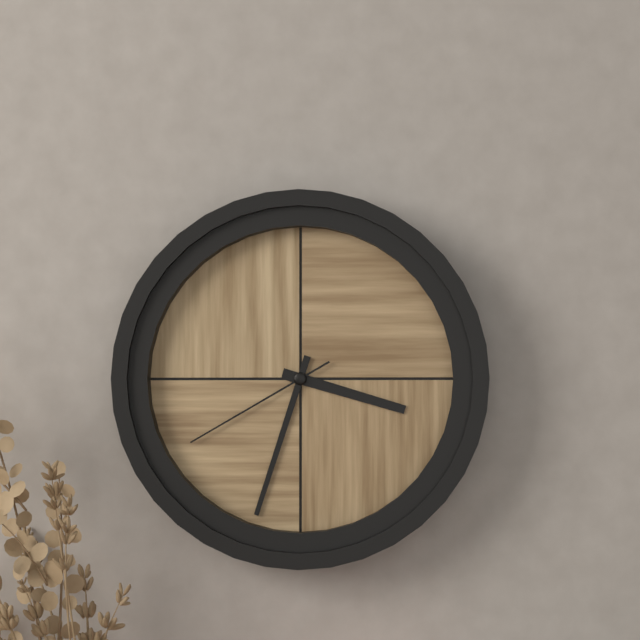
3:33:40
